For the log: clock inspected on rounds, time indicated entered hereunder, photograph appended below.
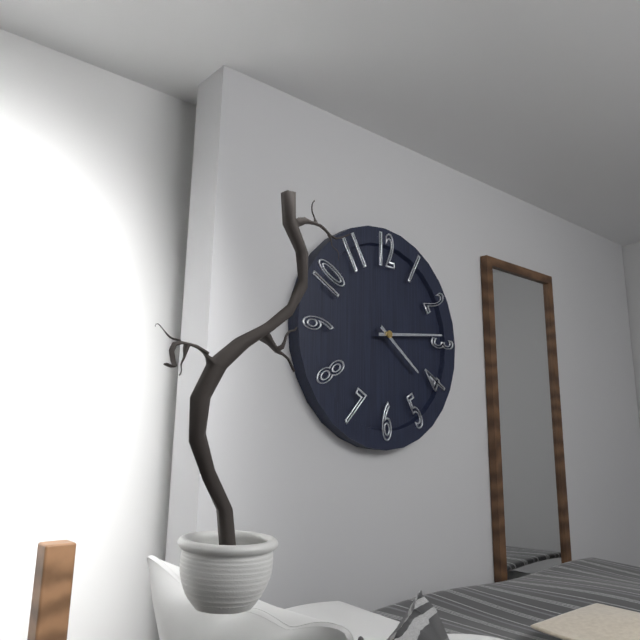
4:14
